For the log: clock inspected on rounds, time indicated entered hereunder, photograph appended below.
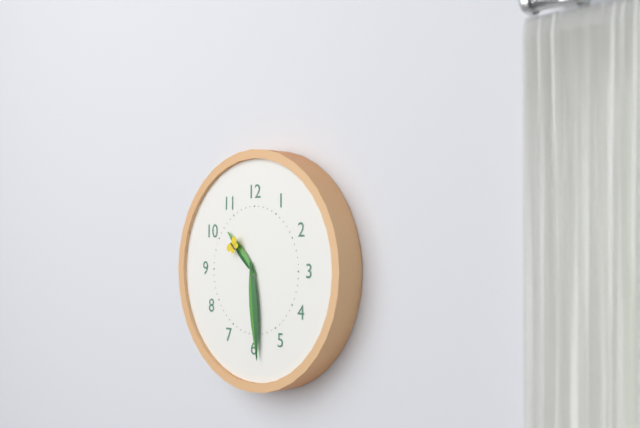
10:29
